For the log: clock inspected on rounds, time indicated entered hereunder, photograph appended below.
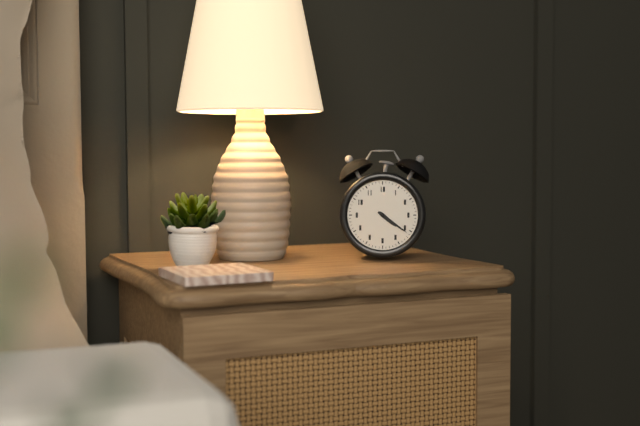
4:21
